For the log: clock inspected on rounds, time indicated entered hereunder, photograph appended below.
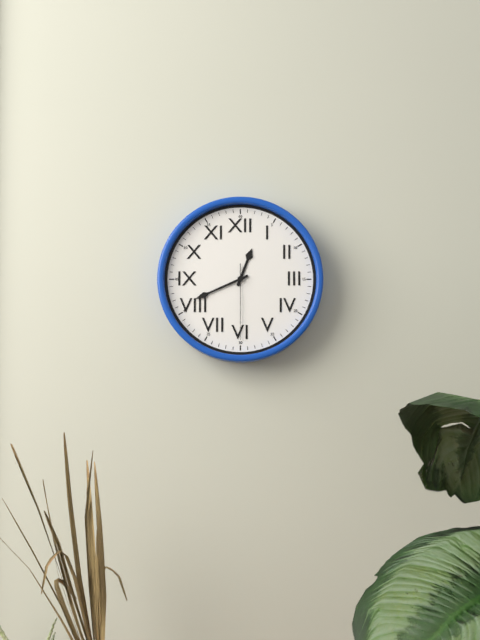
12:41:30
